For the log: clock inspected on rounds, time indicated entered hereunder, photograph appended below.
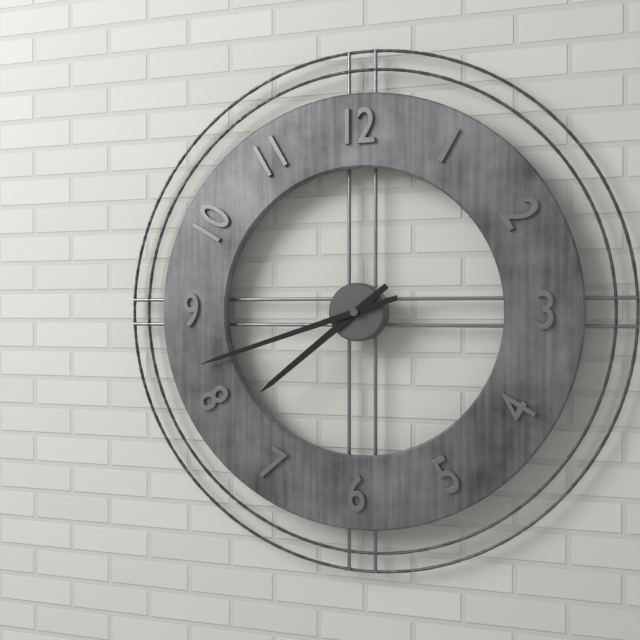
7:42
